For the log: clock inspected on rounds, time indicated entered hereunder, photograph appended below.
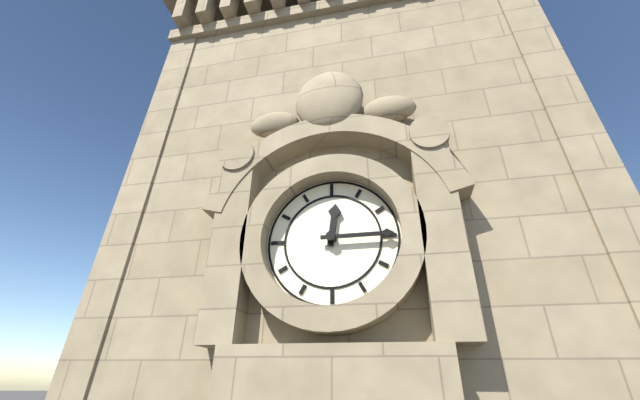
12:15
